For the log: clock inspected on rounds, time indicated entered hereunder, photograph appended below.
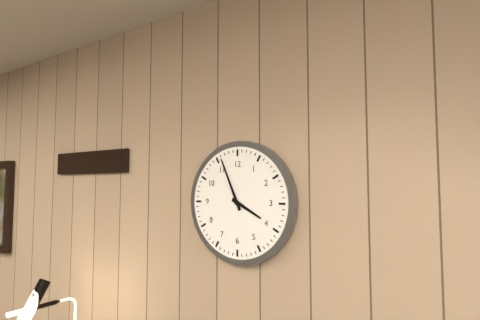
3:56
